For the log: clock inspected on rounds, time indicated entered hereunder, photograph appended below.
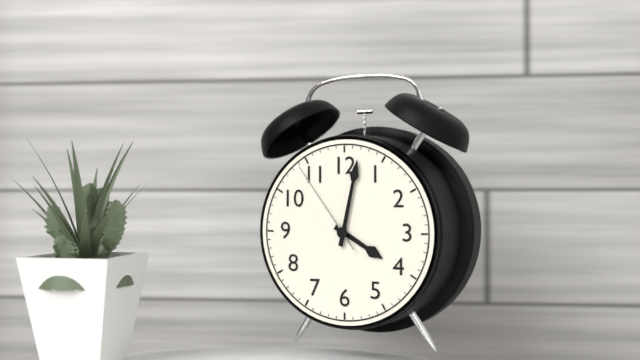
4:02:54
